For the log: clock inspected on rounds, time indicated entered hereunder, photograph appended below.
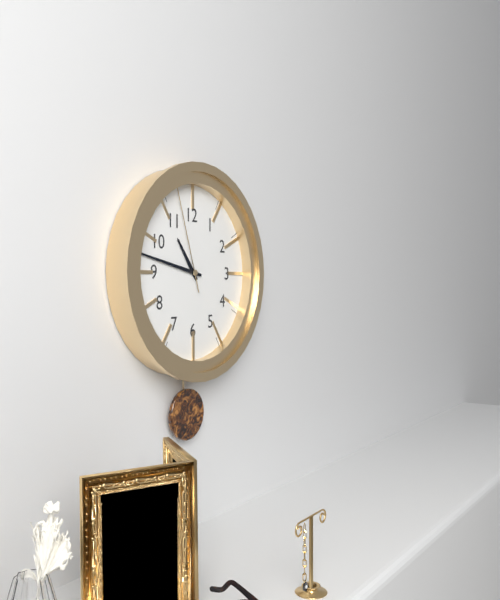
10:47:57
